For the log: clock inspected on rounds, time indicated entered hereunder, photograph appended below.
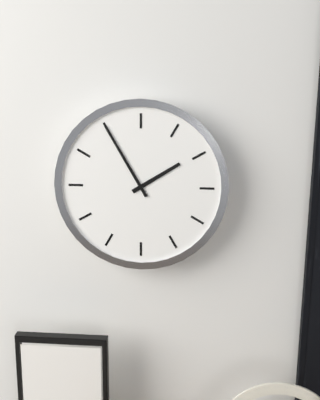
1:55
